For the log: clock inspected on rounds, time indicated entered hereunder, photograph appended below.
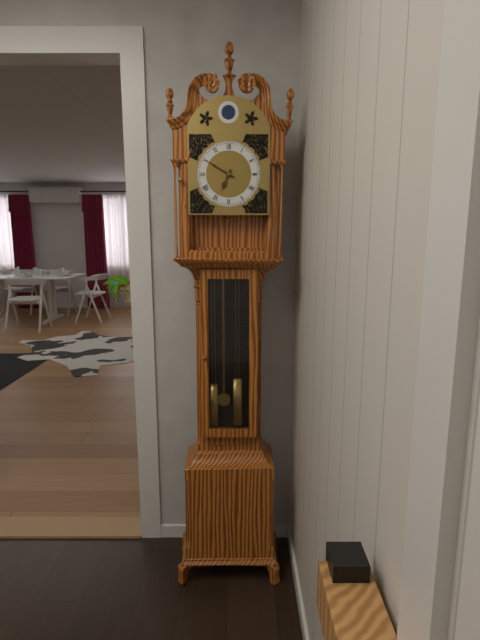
6:50
